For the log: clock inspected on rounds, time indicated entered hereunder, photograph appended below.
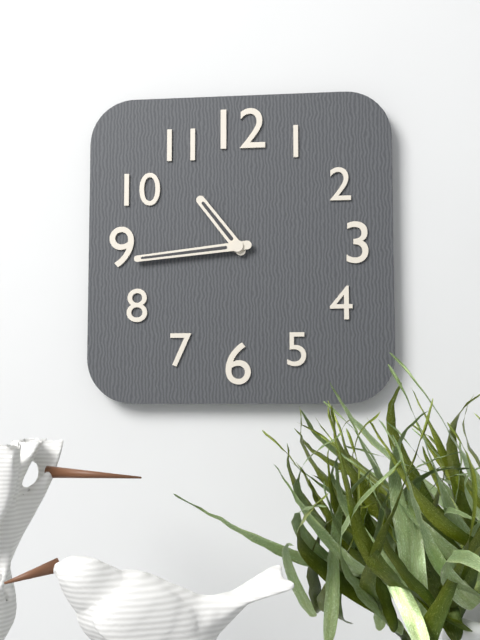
10:44
